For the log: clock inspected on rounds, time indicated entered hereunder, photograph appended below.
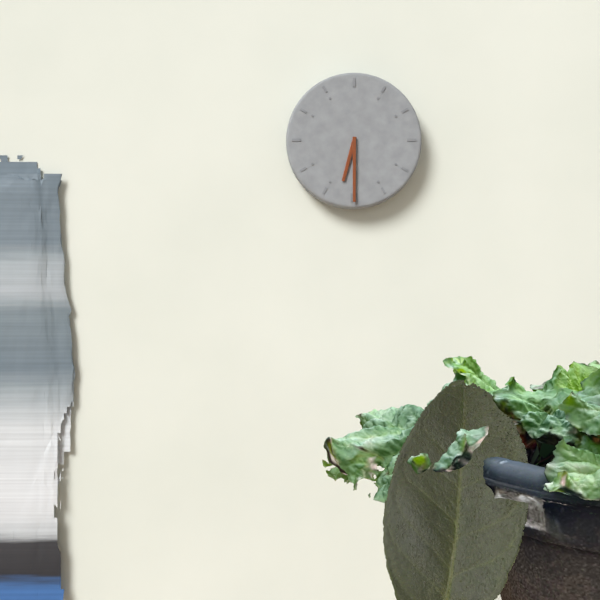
6:30
